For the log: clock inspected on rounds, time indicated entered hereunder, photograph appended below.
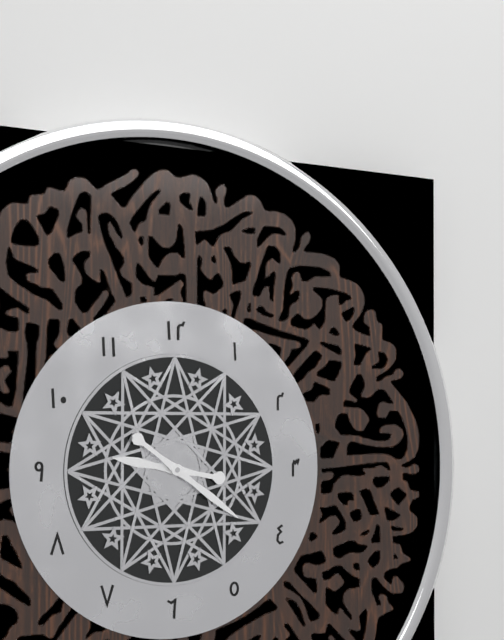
9:21
